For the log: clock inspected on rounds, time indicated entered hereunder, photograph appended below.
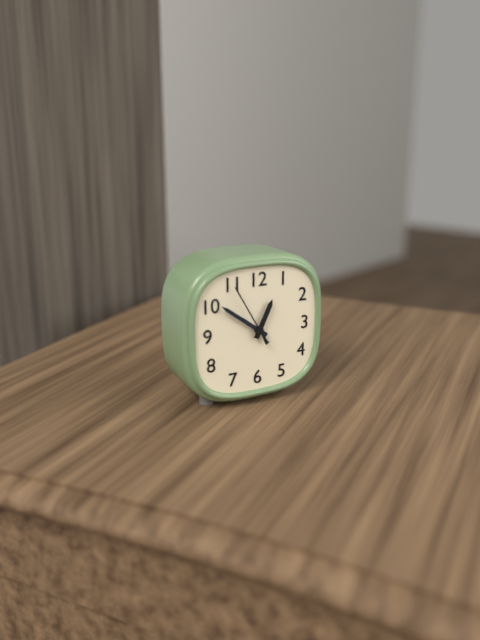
12:51
